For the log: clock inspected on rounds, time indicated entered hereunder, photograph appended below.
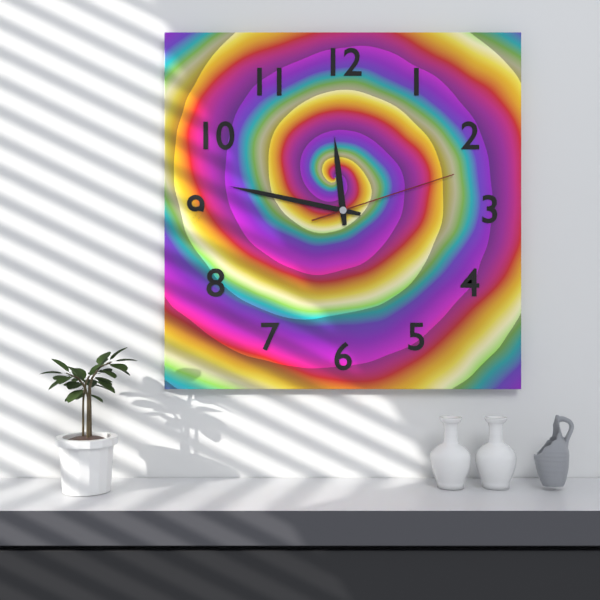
11:47:12
